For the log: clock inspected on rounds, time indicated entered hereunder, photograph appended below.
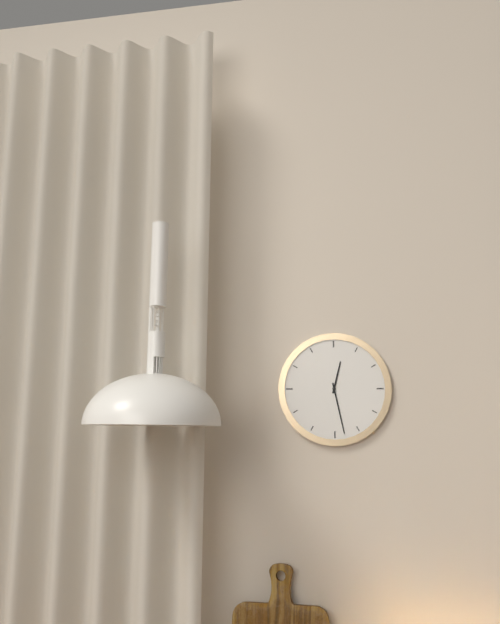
12:28
